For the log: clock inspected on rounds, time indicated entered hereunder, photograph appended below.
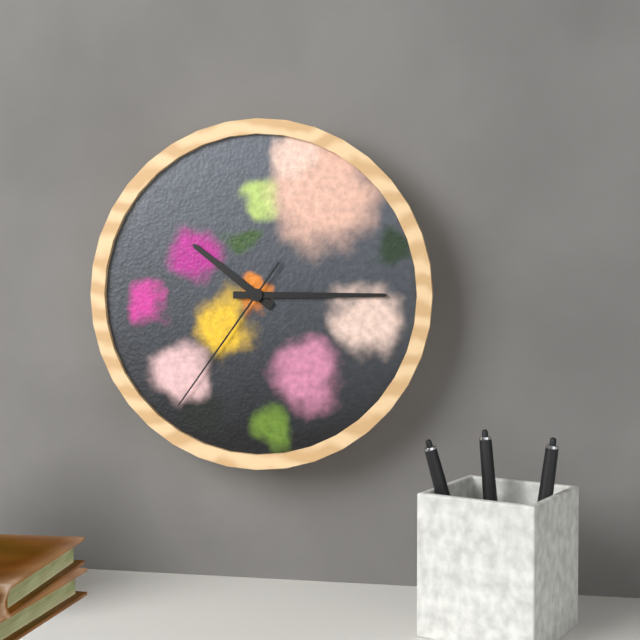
10:15:36
